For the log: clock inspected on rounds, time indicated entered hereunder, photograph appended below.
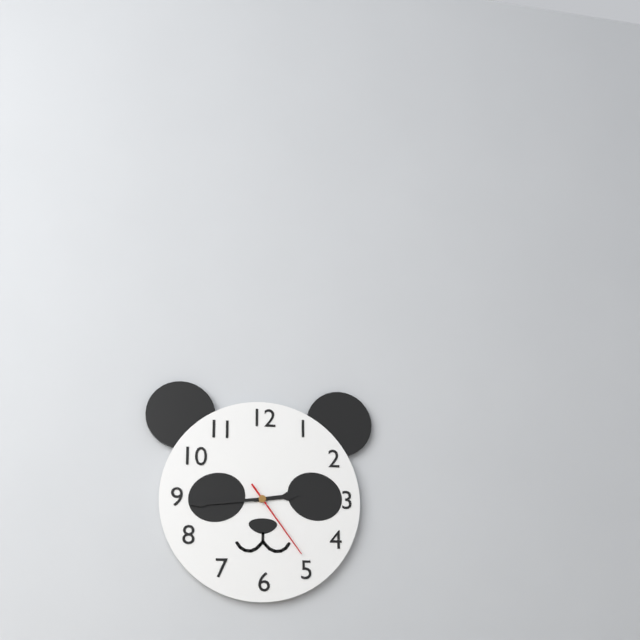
2:44:24
